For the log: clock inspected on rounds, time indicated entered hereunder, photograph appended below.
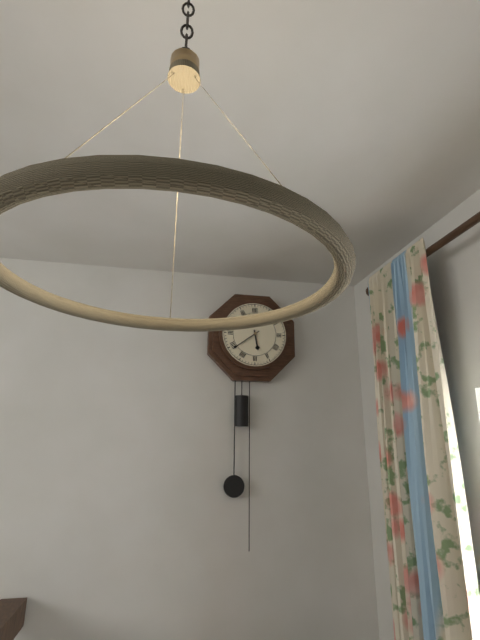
5:39
